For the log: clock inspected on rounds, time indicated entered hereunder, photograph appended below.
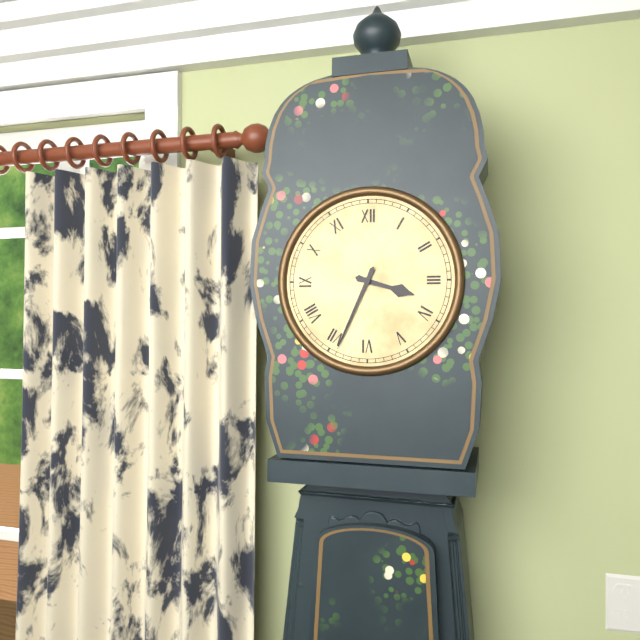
3:34
